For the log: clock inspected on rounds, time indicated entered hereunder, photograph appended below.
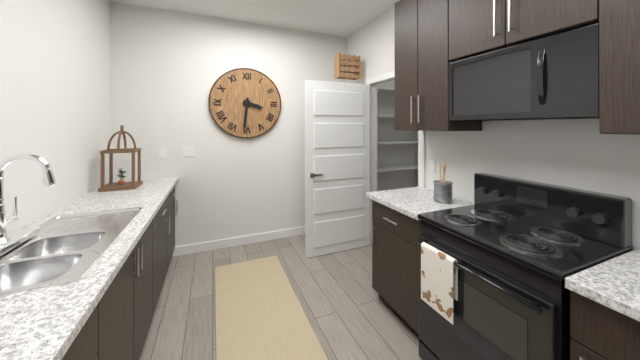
3:31
